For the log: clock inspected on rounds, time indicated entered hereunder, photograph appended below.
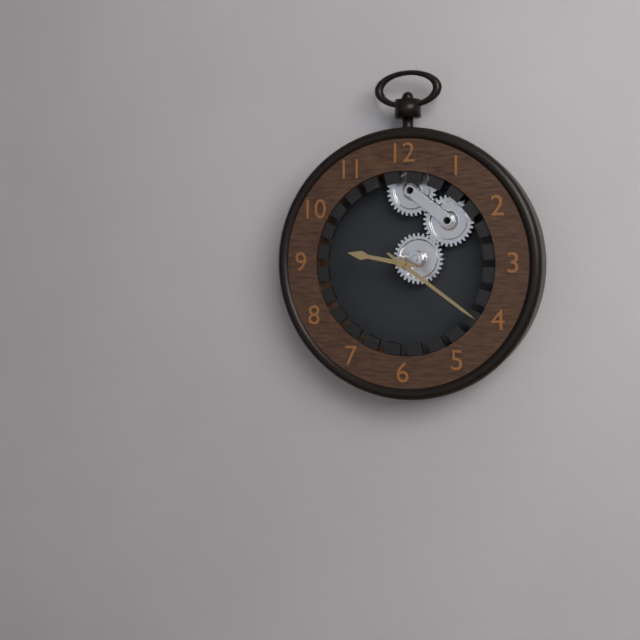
9:21
